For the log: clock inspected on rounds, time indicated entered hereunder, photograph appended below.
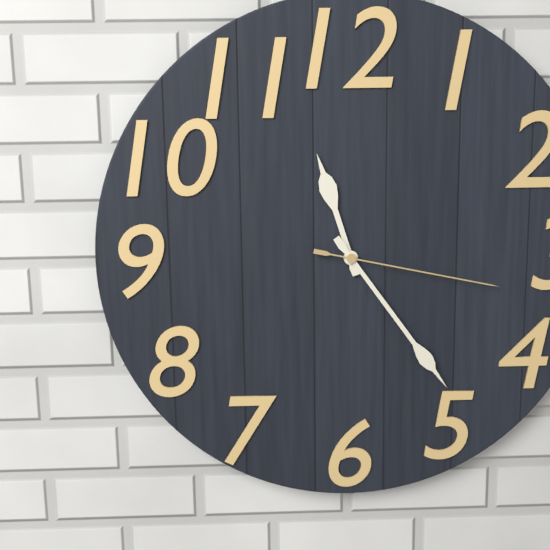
11:24:17
